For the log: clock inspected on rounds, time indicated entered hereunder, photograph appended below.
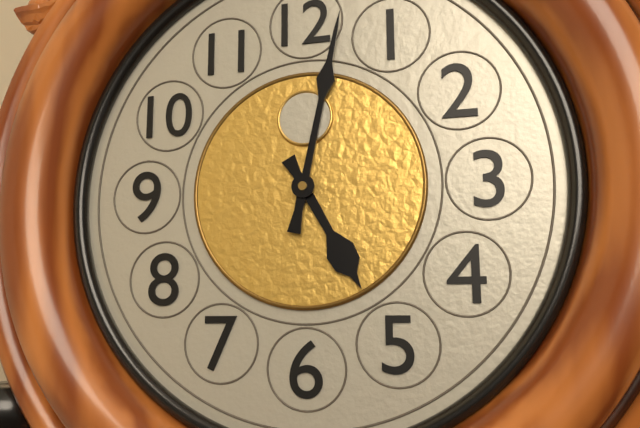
5:02
